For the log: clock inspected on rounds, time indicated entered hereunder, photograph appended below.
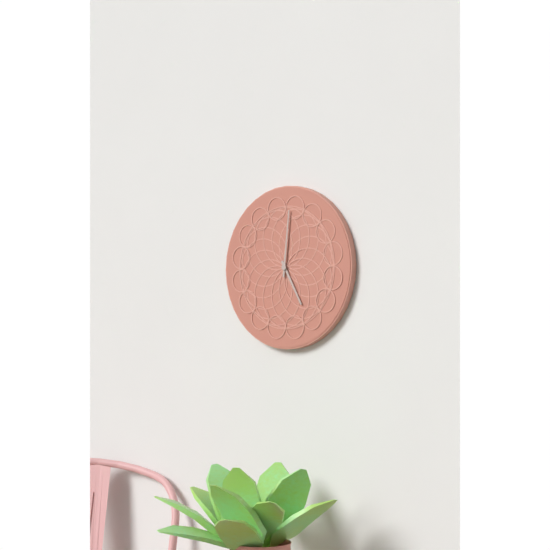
5:01
